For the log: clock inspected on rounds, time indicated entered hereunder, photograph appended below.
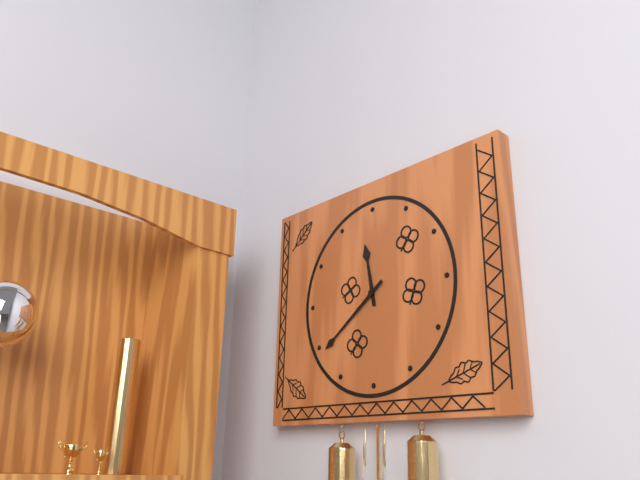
11:39
